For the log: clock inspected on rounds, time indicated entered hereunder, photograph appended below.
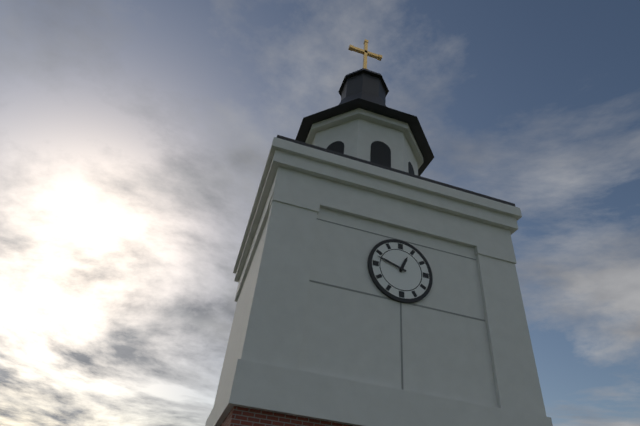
12:48
